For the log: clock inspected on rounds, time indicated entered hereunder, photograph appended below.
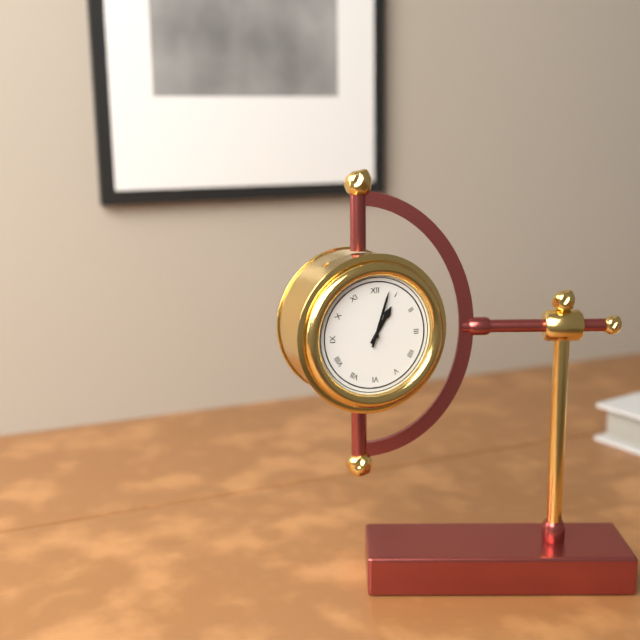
1:03
